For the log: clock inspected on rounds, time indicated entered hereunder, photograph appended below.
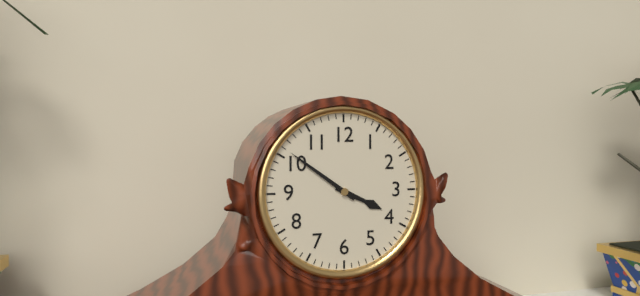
3:51
